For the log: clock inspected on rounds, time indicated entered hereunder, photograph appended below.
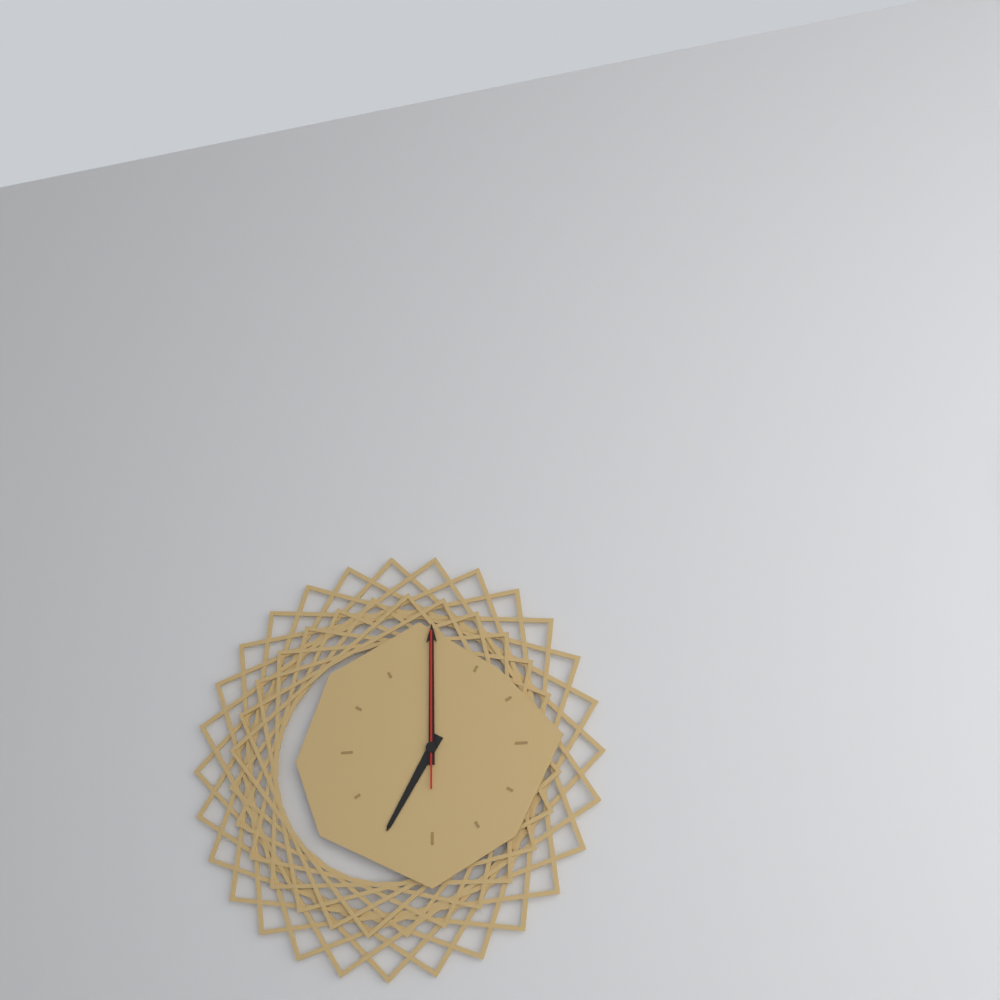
7:00:00
